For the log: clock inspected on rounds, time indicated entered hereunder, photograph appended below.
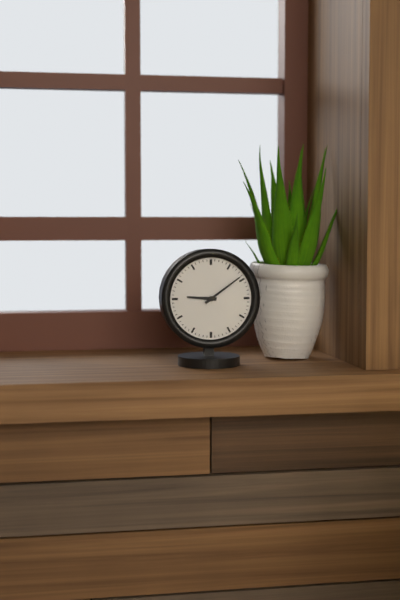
9:09
